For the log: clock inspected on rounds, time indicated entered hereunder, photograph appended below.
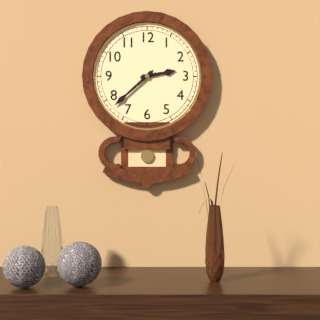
2:38
